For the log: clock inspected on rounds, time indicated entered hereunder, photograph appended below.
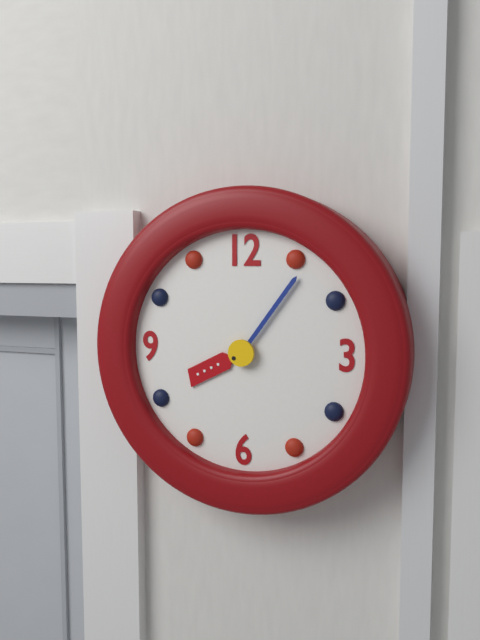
8:06
